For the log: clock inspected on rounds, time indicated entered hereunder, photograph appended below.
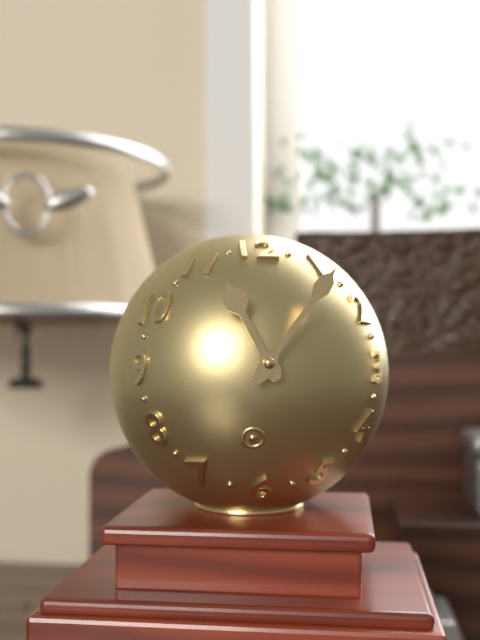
11:06
